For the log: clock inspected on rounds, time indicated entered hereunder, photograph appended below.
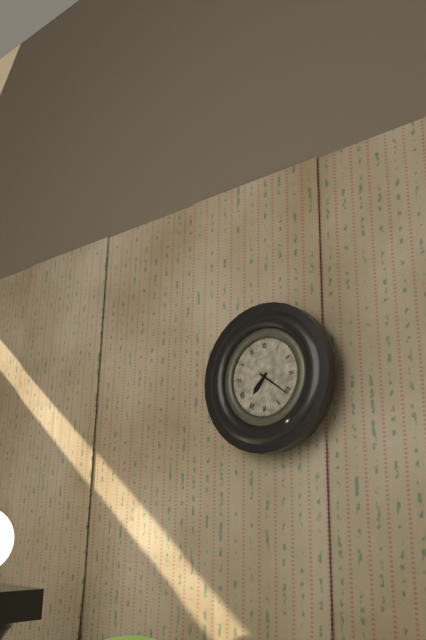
7:21
